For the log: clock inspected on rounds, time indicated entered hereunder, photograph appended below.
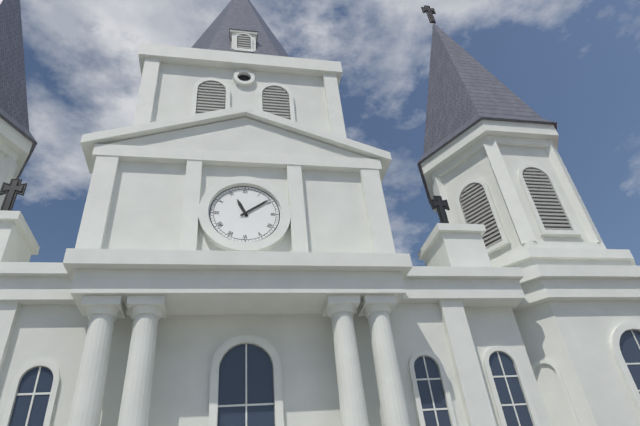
11:09
